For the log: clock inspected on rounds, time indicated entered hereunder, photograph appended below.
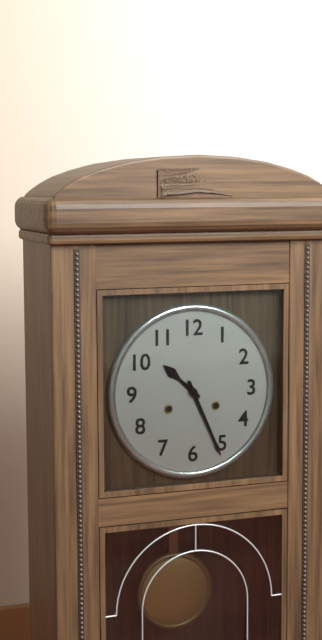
10:26
